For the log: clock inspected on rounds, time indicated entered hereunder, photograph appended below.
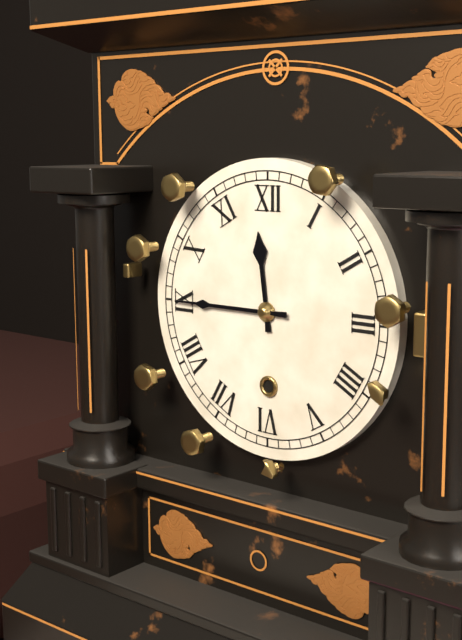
11:45
